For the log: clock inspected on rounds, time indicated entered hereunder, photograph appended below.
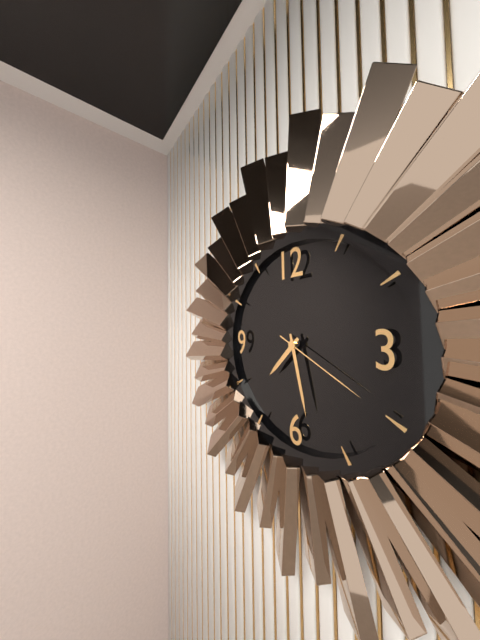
7:28:20
